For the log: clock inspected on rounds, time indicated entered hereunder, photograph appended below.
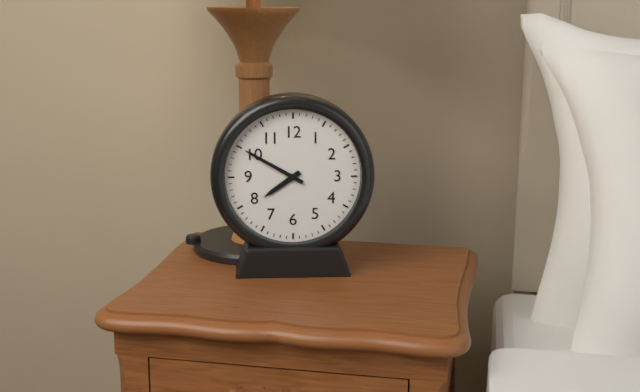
7:50
